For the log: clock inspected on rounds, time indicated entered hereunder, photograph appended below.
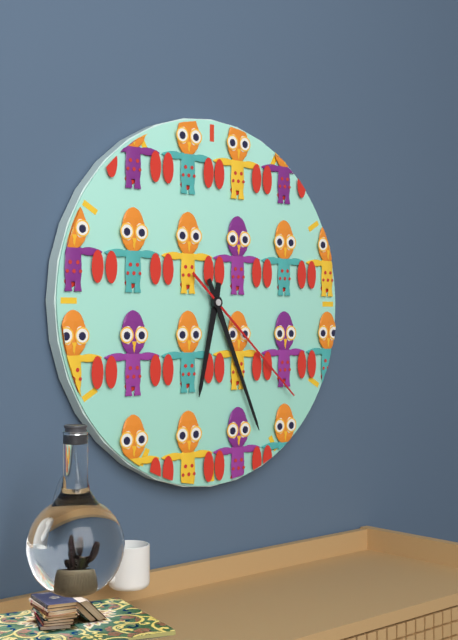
6:26:22
